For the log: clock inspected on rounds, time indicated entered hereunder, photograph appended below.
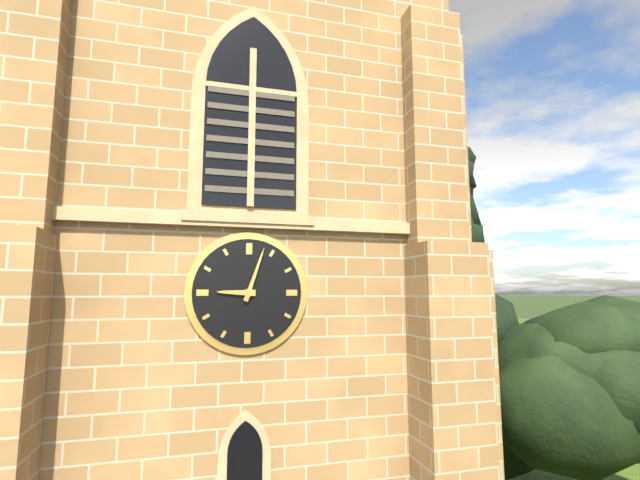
9:03
